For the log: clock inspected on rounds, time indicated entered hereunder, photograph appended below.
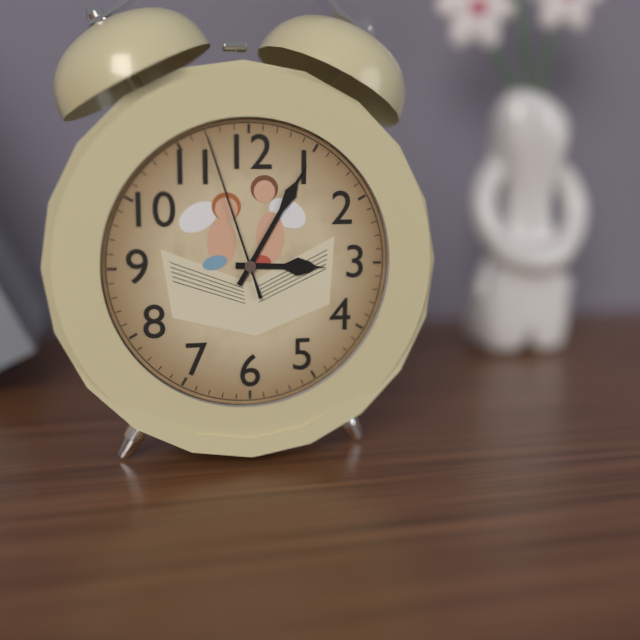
3:05:57
